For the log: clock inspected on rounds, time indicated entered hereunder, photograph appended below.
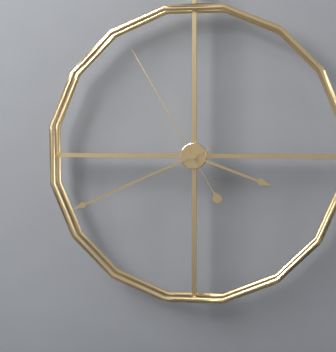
3:41:55
